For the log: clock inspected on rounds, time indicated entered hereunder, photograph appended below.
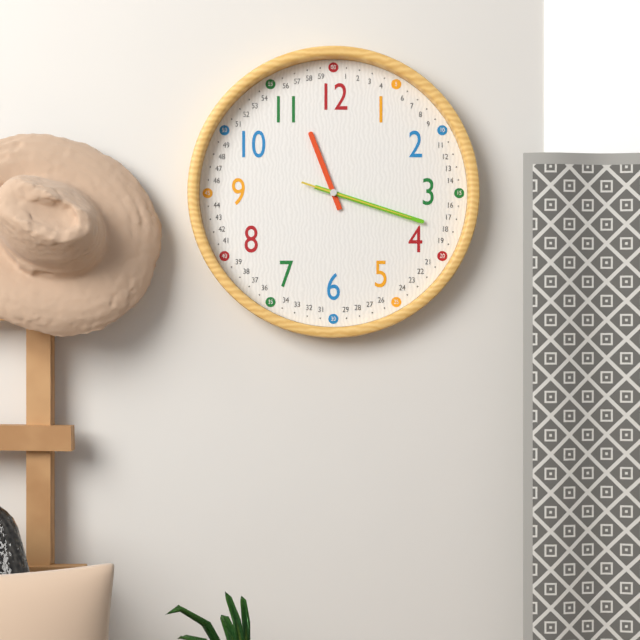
11:18:18
